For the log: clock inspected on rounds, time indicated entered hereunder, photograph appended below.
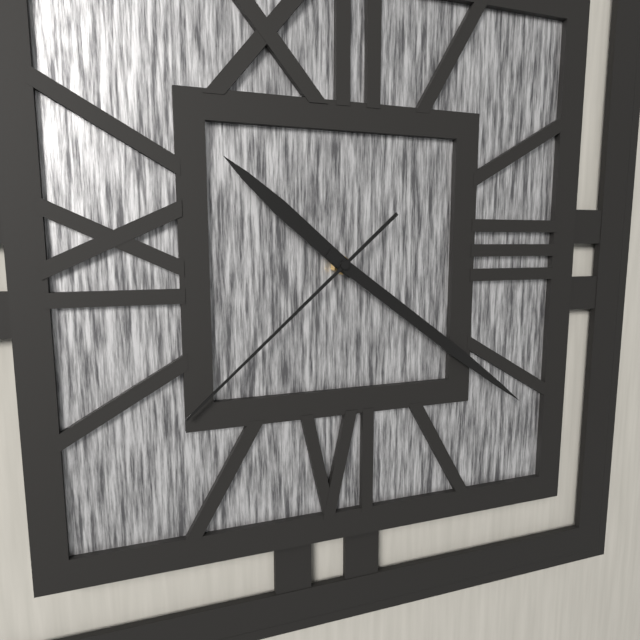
10:21:38
